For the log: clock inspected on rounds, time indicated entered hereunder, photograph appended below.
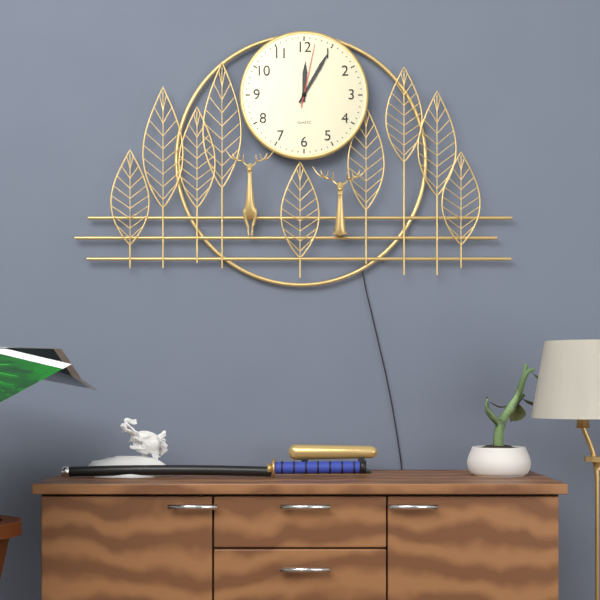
12:05:02
